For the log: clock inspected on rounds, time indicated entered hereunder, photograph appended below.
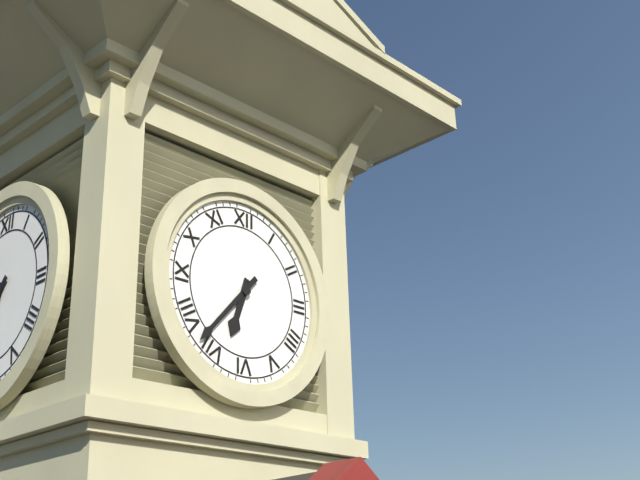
6:37
